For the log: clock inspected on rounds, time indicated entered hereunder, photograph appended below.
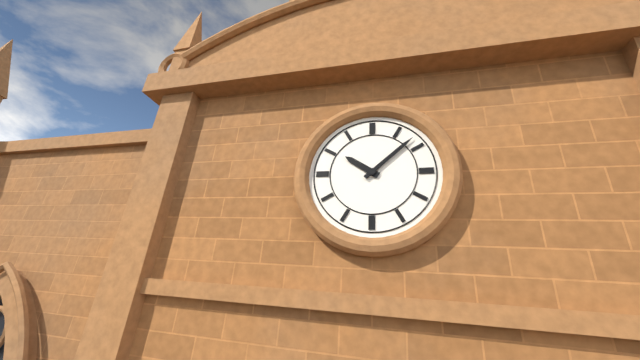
10:08
